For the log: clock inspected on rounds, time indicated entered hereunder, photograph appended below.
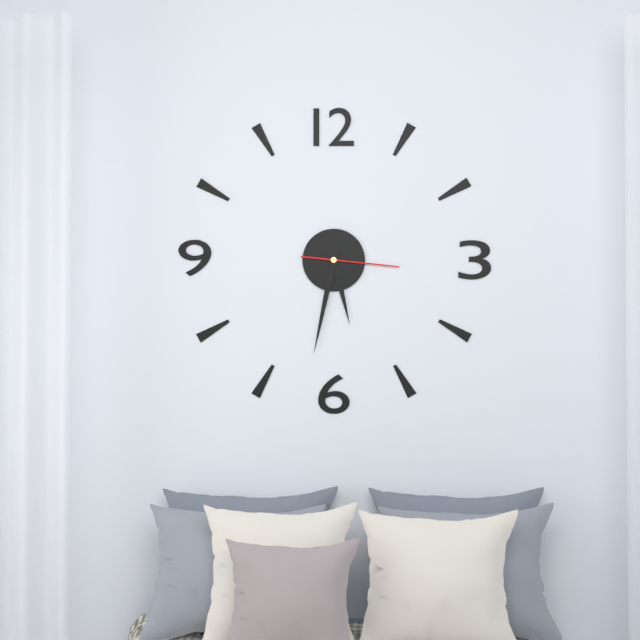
5:32:16
